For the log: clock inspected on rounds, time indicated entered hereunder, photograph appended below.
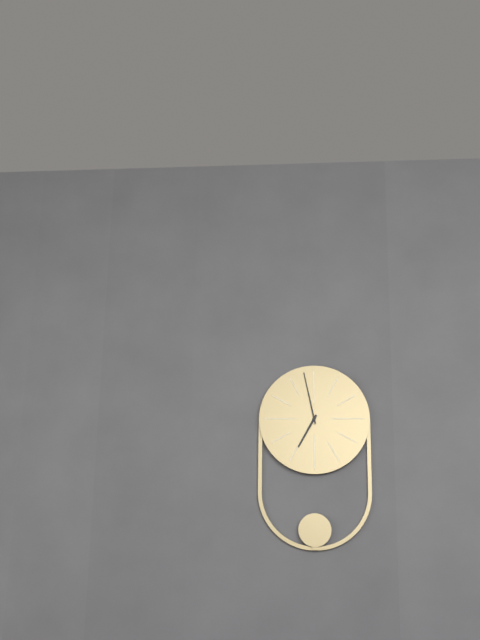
6:58
